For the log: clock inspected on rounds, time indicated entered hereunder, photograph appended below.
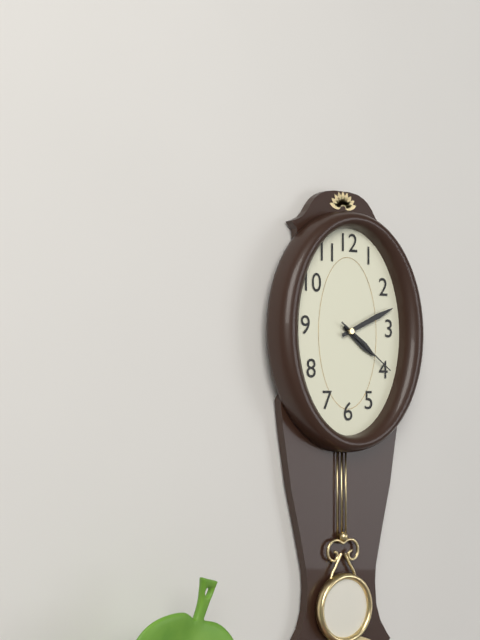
4:11:21
